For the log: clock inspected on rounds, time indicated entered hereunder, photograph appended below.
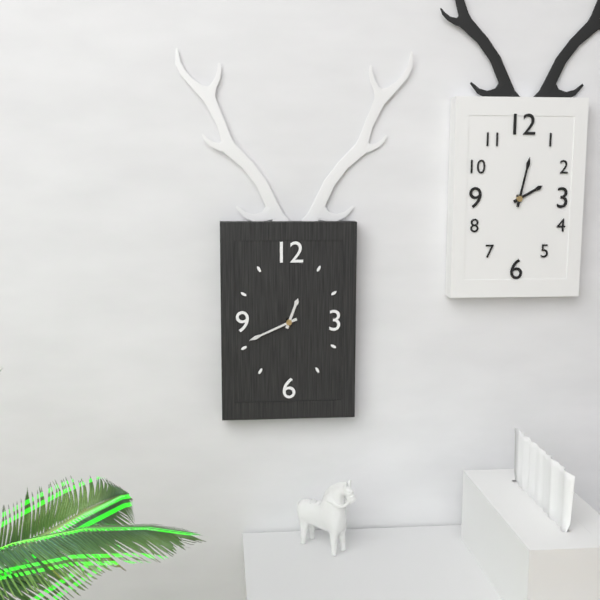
12:41
